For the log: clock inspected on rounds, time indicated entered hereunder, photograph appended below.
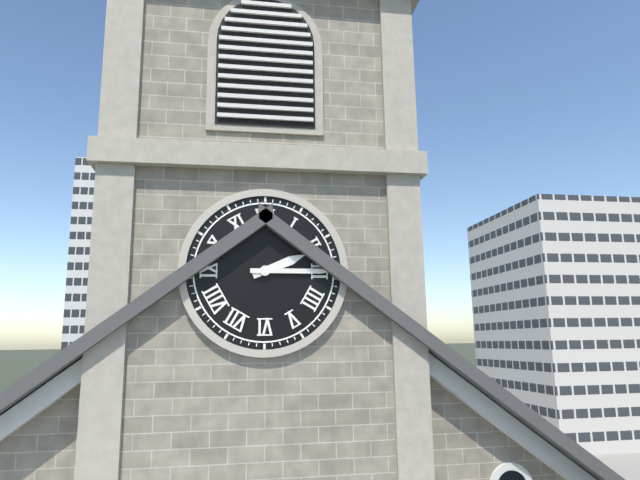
2:15
